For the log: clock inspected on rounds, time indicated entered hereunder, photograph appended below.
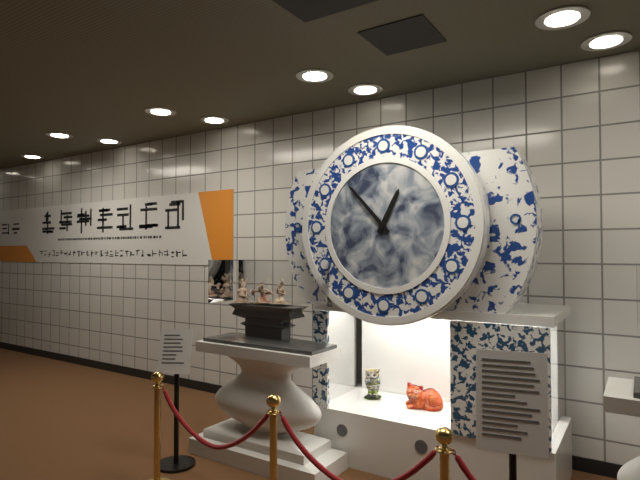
12:53
